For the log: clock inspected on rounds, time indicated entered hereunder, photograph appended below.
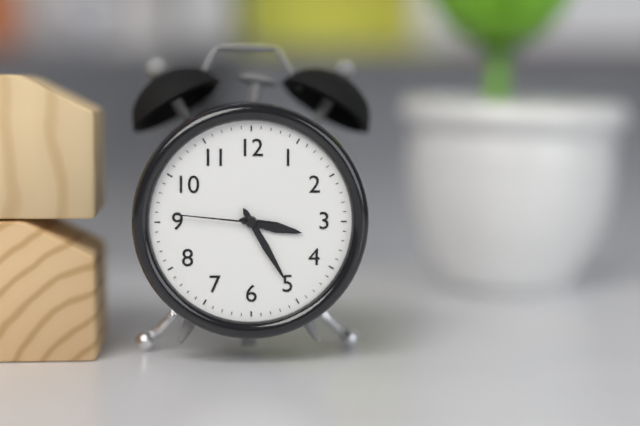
3:25:46
